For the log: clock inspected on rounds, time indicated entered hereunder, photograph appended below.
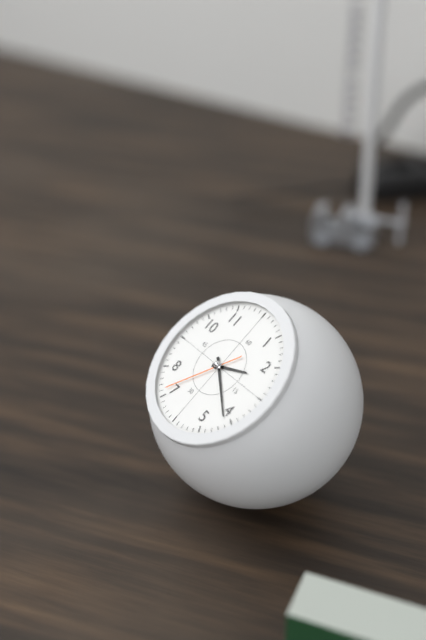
2:21:36
